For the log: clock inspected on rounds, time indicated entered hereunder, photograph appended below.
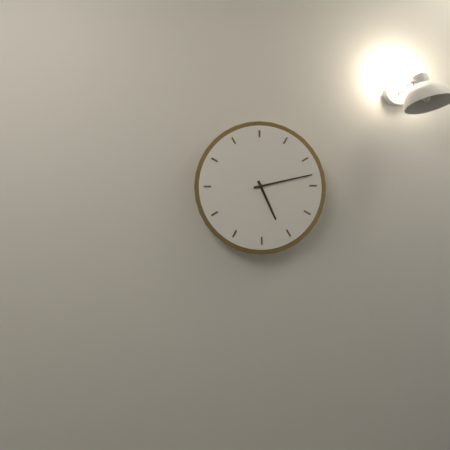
5:13
